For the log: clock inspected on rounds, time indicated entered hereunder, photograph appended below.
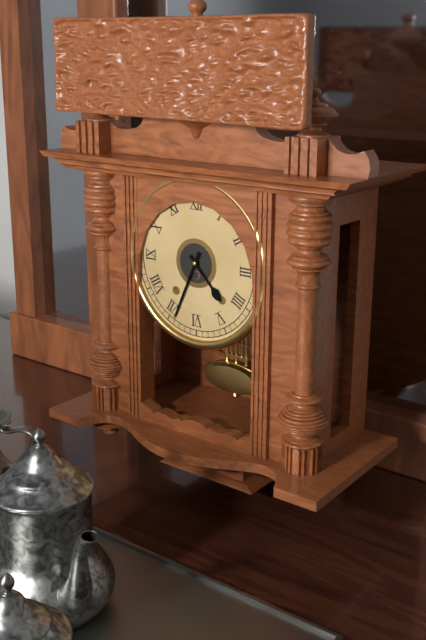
4:34
